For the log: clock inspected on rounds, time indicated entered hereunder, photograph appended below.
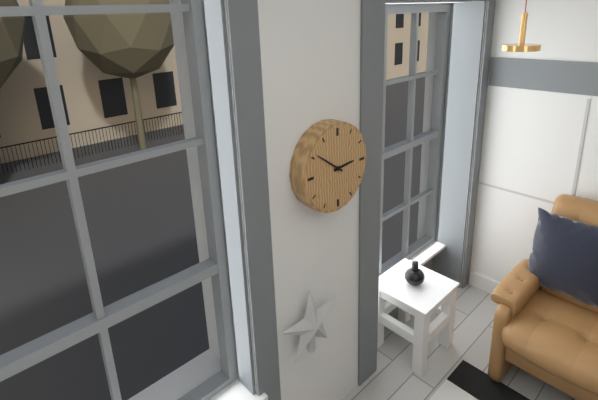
2:51
